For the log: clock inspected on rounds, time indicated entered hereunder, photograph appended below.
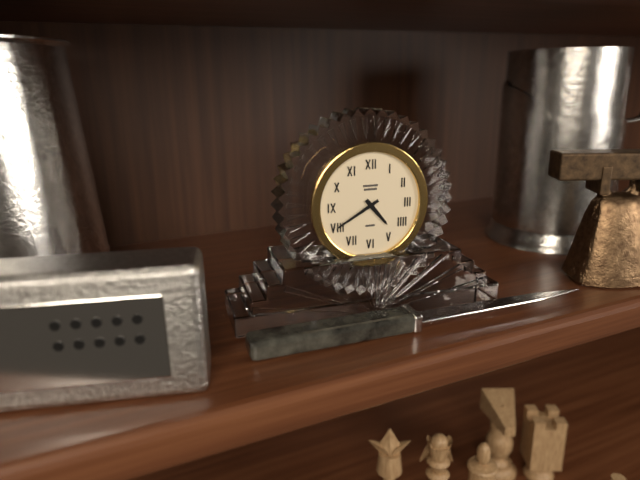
4:40
